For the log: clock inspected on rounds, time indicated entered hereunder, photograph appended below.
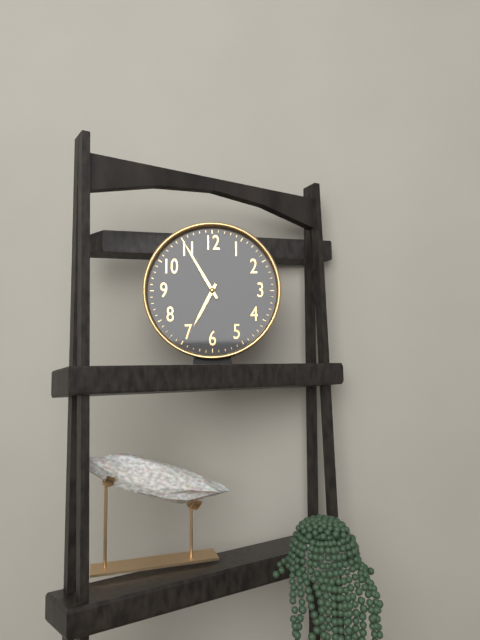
6:55
